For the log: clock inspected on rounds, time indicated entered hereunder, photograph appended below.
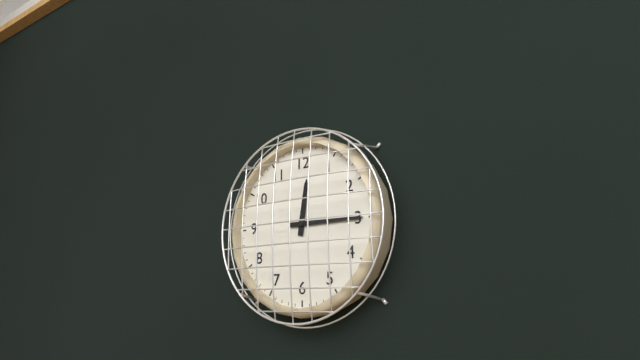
12:15
